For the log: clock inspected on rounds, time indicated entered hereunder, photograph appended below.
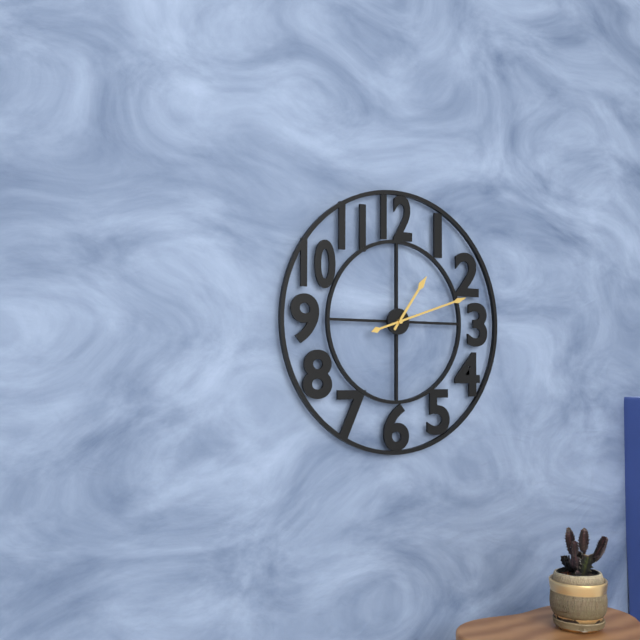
1:12
